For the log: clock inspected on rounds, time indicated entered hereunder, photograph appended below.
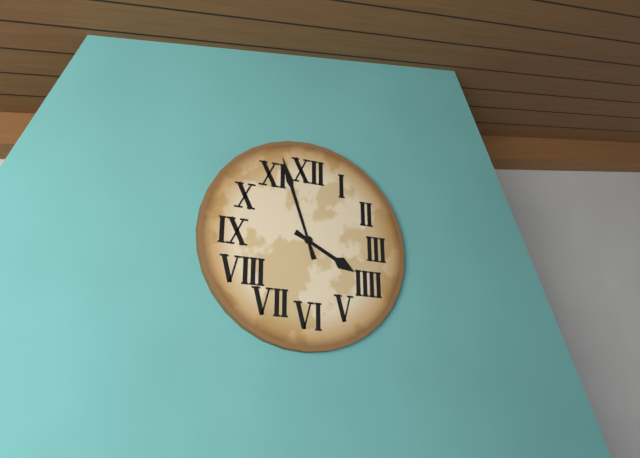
3:57
